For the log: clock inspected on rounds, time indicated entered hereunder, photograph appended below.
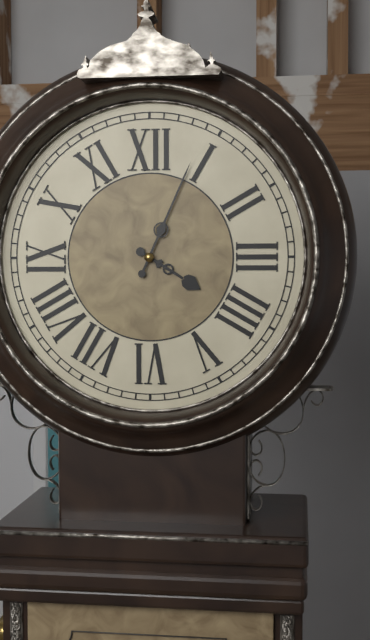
4:04
